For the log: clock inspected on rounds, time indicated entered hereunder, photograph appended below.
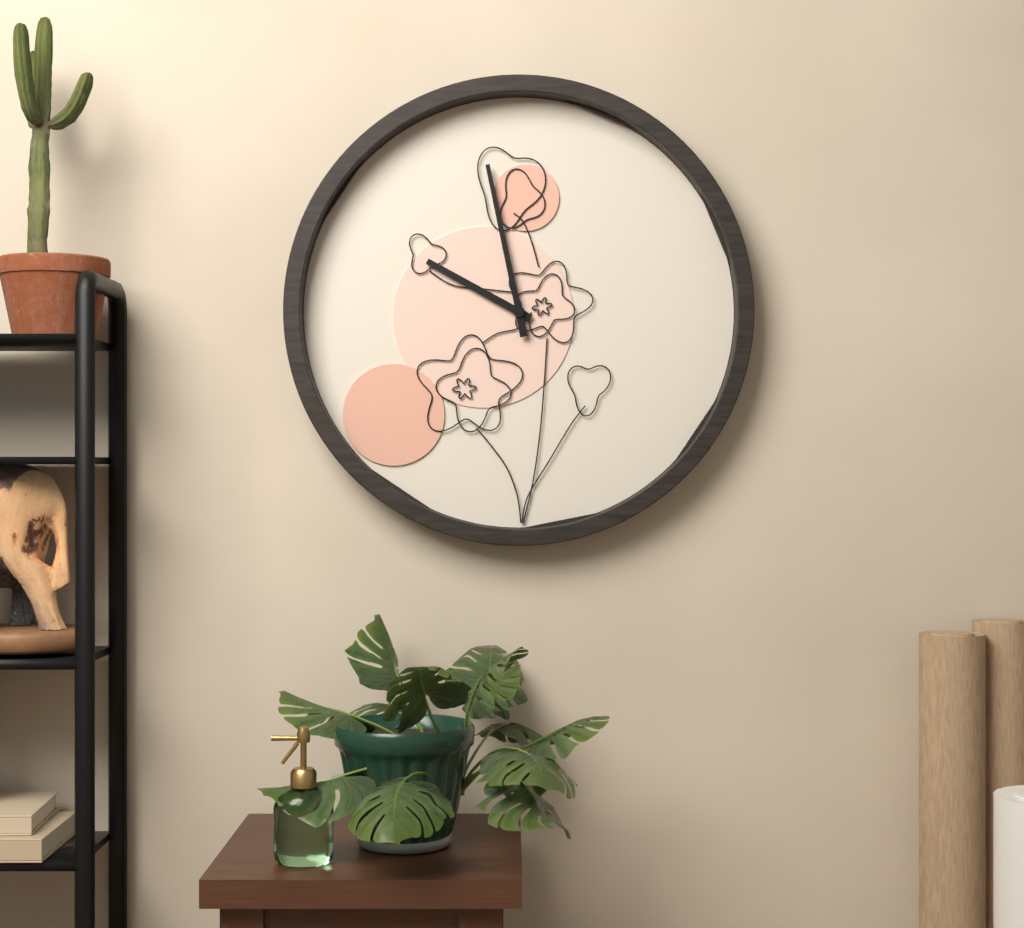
9:58
